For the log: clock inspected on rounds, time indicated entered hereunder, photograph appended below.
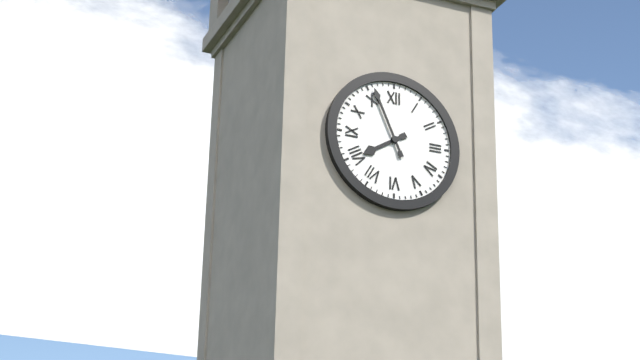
7:56
